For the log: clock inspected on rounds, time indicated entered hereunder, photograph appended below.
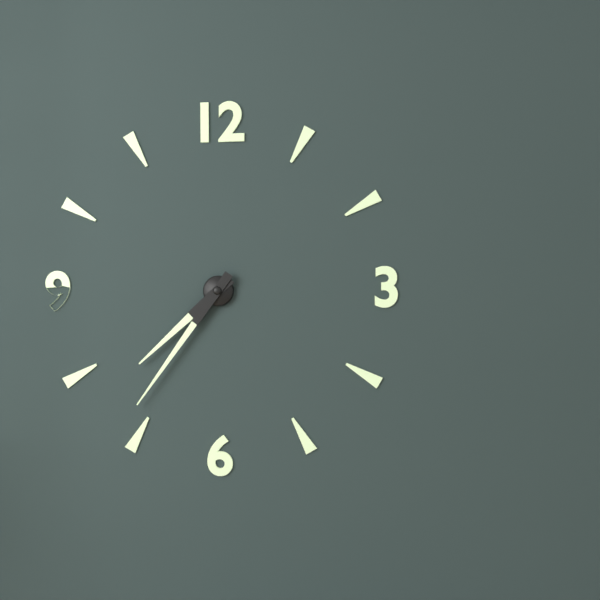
7:36
